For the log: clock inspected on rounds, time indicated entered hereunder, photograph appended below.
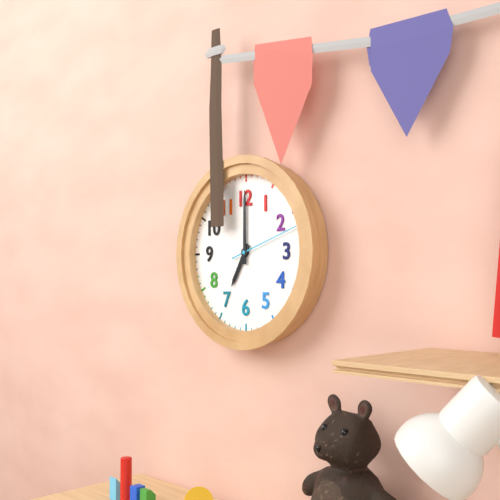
7:00:12
